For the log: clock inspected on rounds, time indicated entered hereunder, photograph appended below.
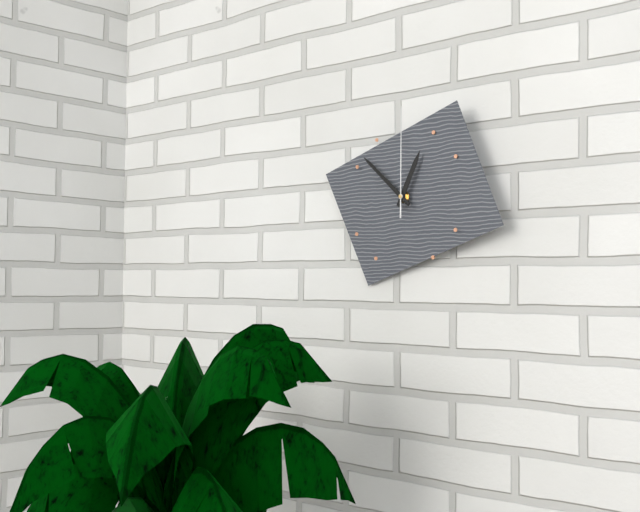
12:52:00
